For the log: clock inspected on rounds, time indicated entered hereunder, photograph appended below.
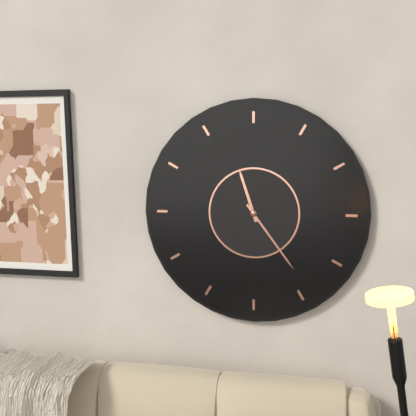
11:24
